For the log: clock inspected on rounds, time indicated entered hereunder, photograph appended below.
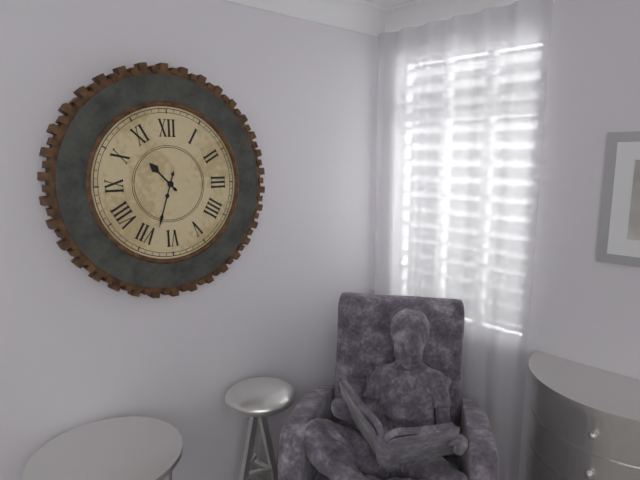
10:33
